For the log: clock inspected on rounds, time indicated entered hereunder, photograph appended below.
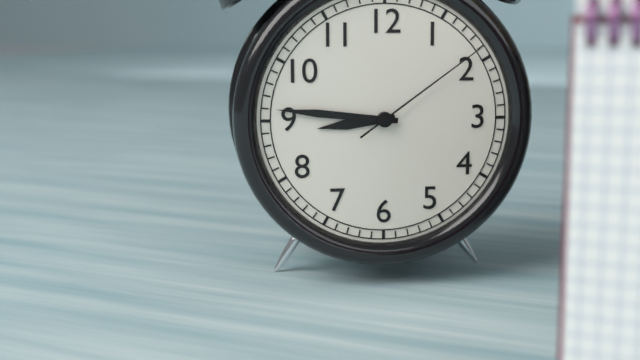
8:46:09
